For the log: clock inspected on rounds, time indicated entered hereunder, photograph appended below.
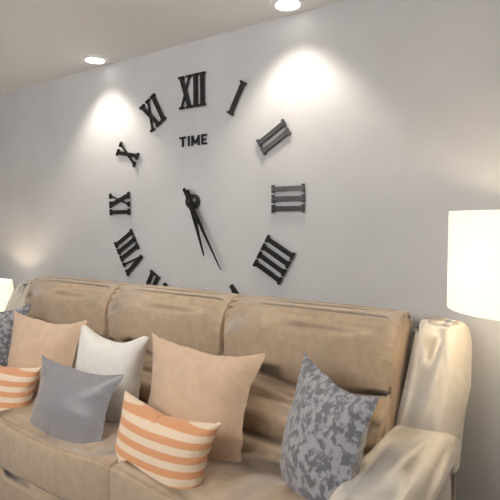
5:25
